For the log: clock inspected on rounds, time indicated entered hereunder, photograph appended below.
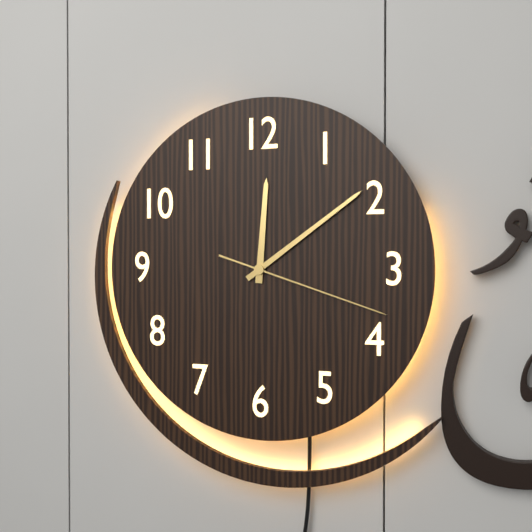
12:09:18
